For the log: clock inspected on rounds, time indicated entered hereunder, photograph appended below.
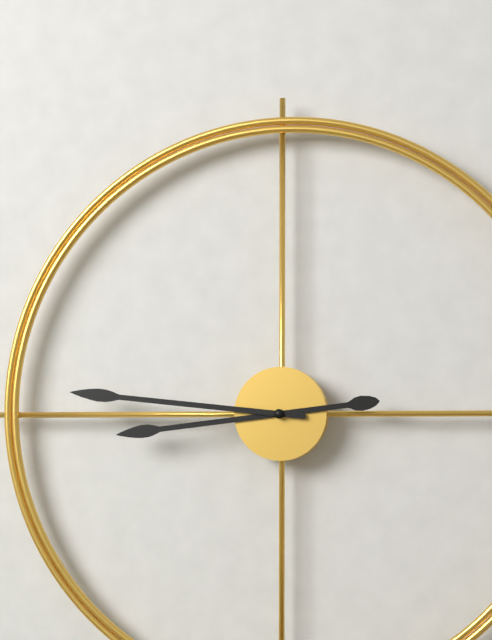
8:46
